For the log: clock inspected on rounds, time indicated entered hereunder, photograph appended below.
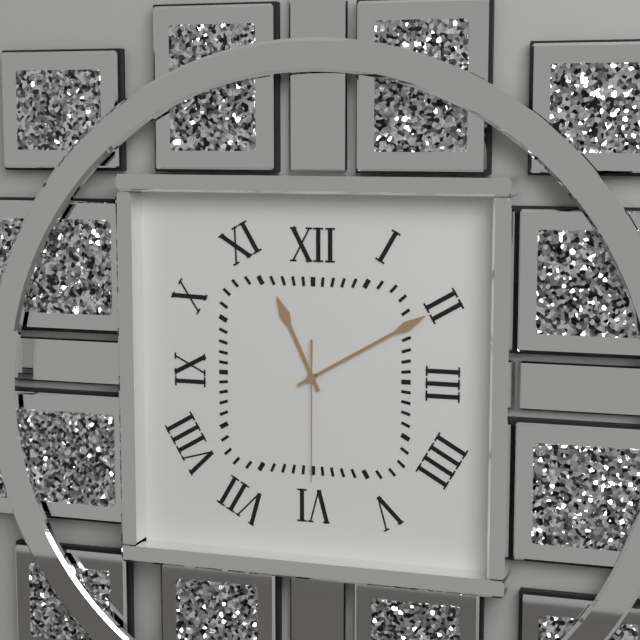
11:10:30
